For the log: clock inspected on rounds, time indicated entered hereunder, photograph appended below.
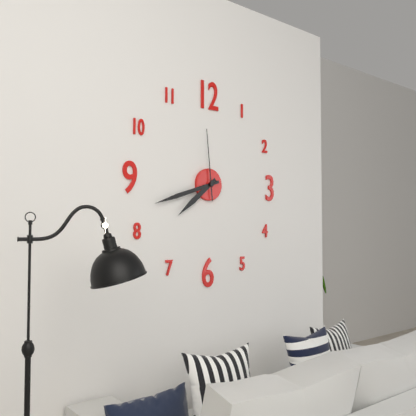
7:42:59
